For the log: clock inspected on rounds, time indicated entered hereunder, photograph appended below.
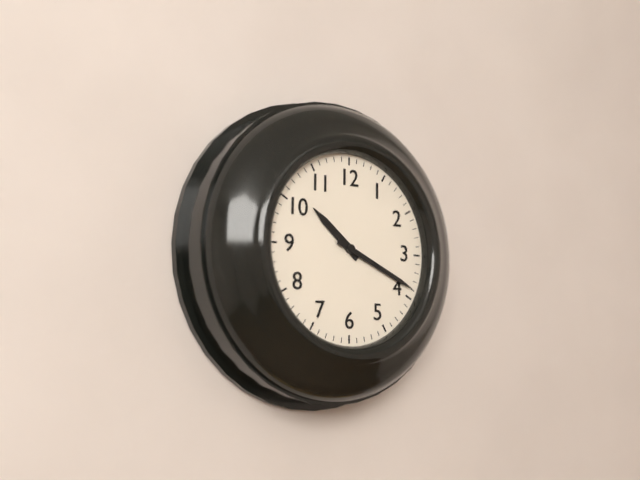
10:19
